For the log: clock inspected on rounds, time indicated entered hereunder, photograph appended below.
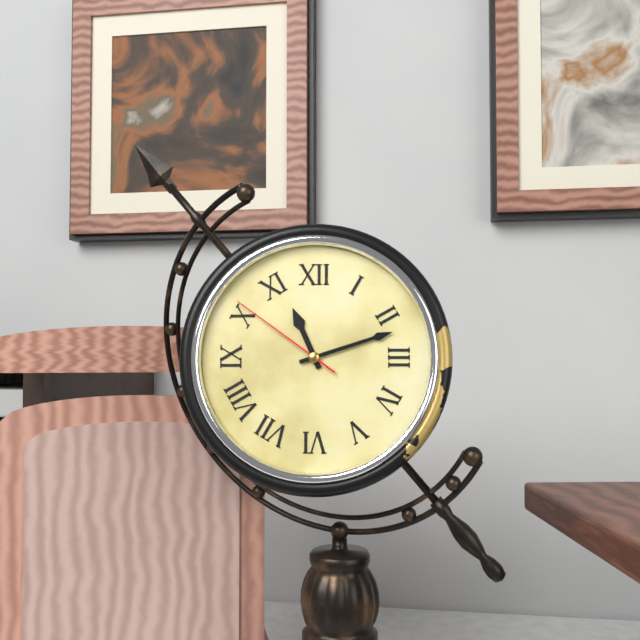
11:12:51
